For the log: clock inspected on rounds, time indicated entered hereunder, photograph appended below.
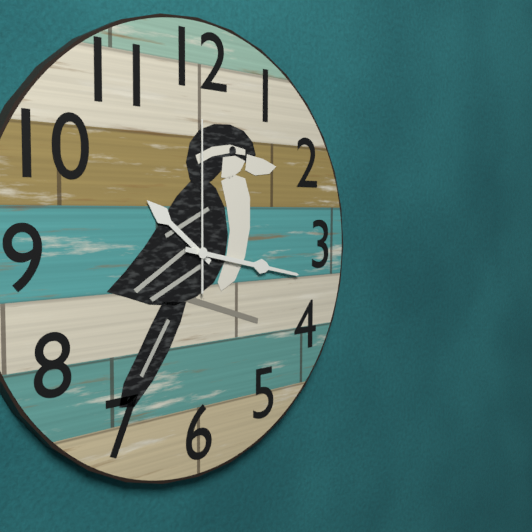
10:17:00
